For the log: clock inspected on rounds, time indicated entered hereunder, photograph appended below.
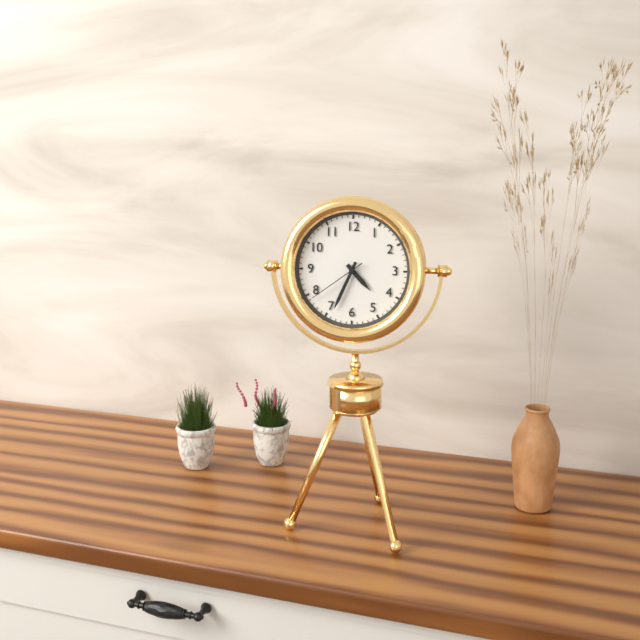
4:34:39
